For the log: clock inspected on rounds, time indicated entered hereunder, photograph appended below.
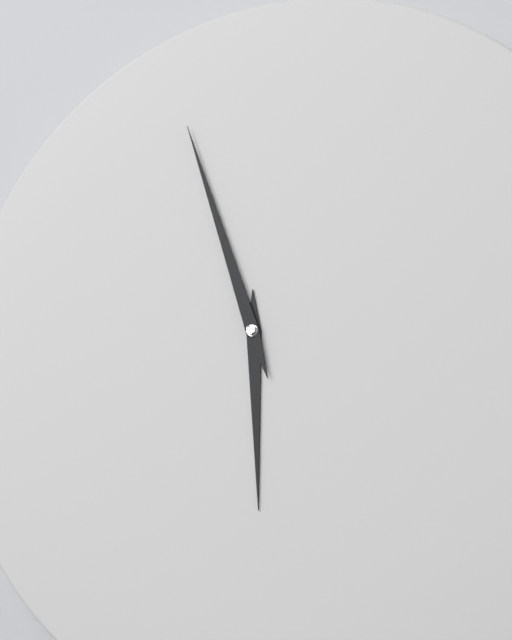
5:57
